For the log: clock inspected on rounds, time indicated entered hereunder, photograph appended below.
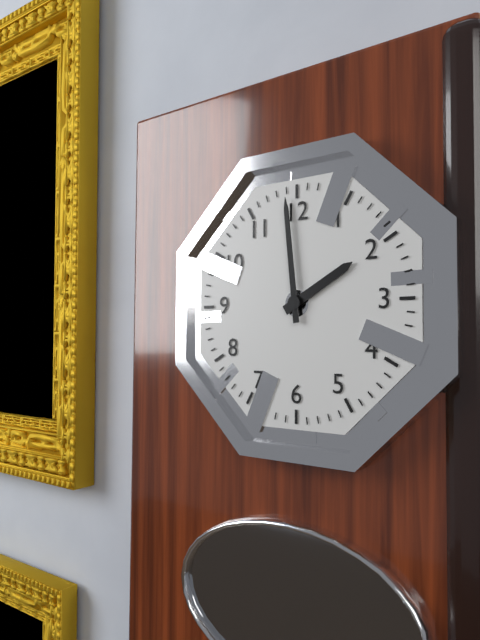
1:59
